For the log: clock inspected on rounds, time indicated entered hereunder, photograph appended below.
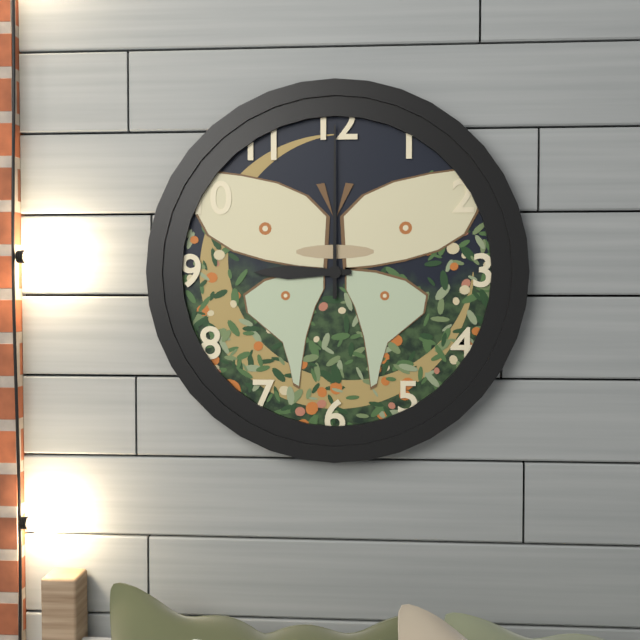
9:00
